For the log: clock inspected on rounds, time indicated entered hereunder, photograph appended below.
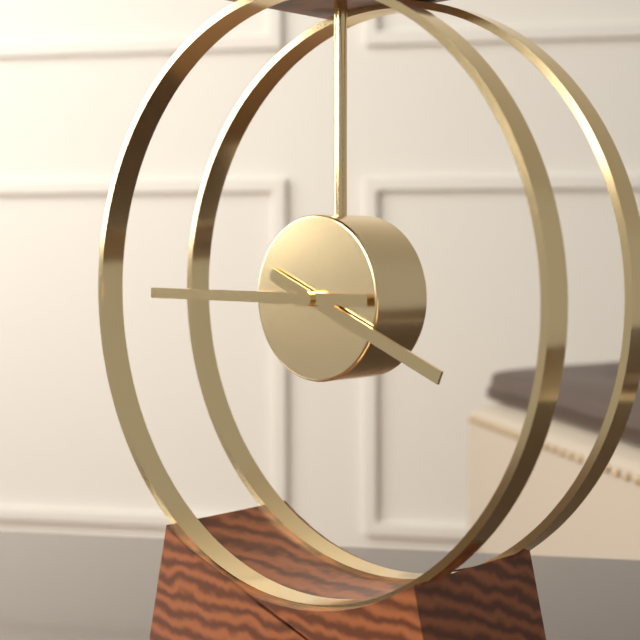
3:45
